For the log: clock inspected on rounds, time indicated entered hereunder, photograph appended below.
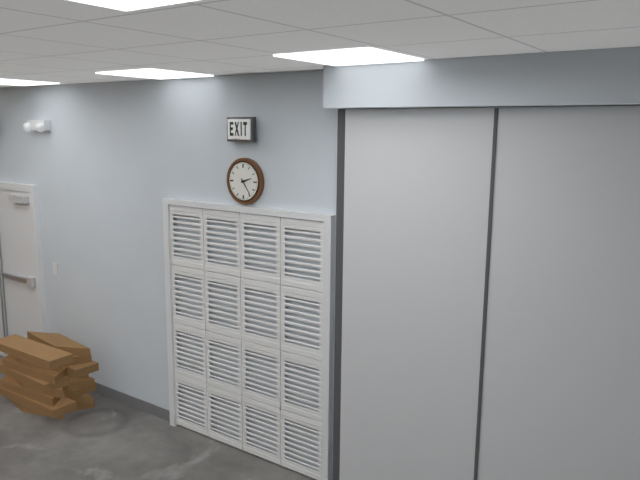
2:24
